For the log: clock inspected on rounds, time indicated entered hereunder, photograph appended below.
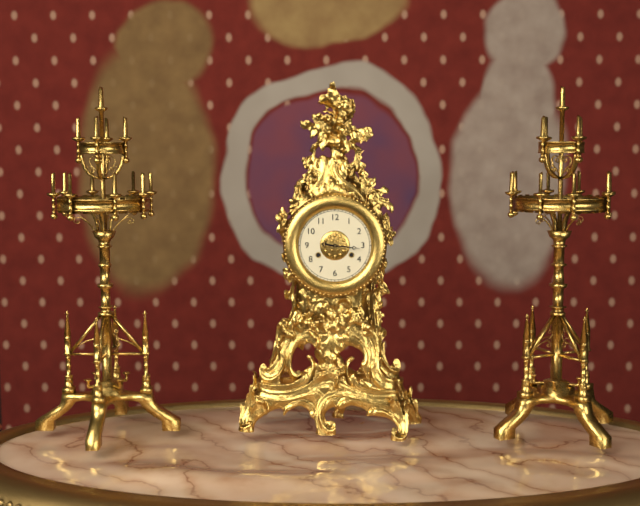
9:16
